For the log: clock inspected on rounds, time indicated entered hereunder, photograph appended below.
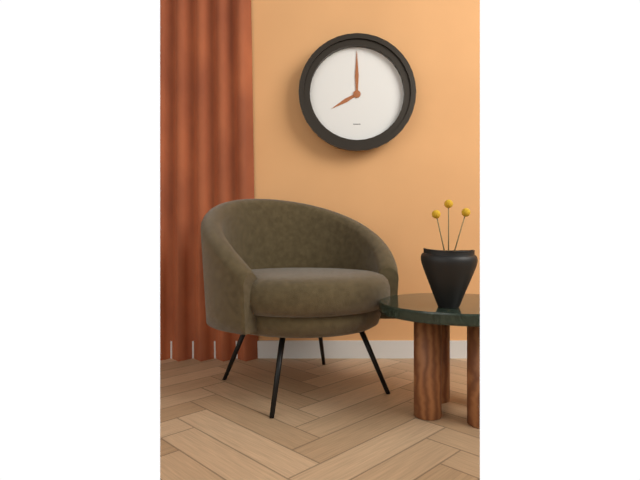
8:00
